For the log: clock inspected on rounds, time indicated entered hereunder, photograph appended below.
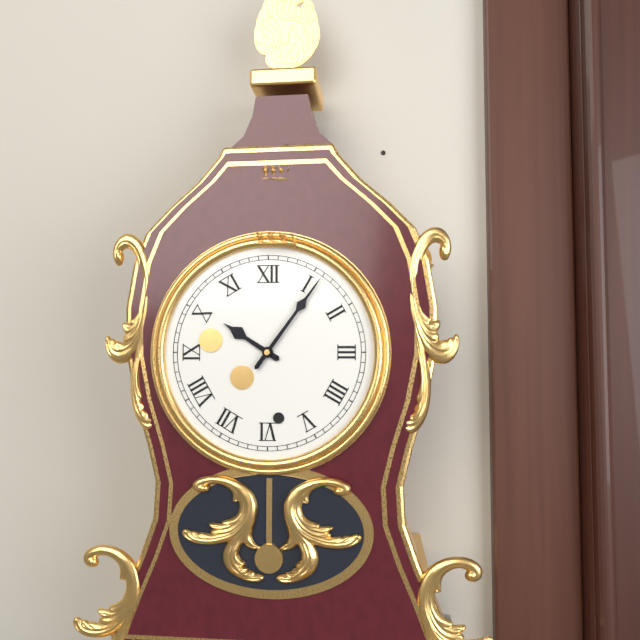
10:06
